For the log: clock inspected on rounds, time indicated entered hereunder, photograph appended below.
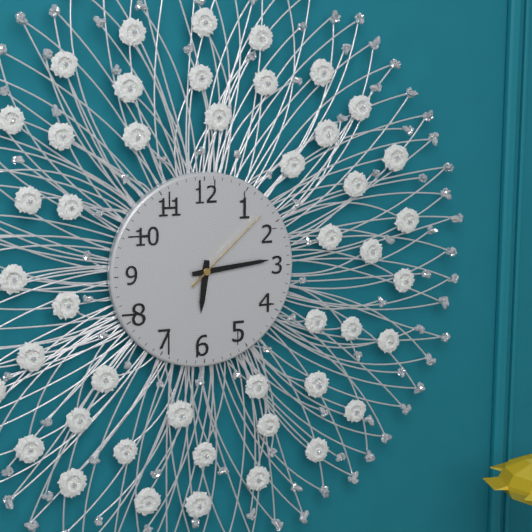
6:14:08
